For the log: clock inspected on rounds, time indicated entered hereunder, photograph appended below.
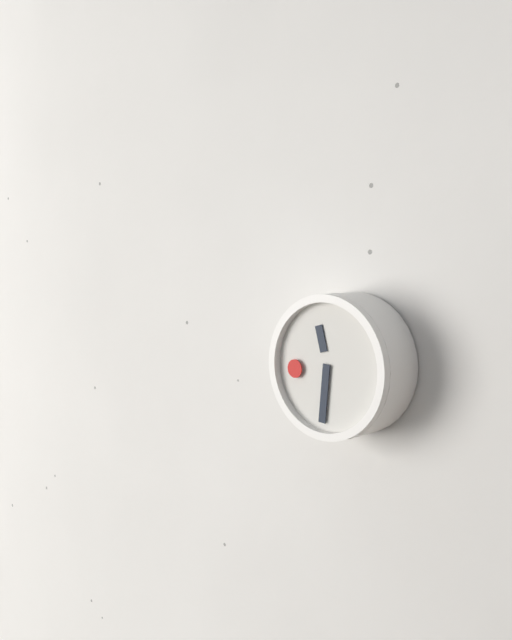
11:31:44
